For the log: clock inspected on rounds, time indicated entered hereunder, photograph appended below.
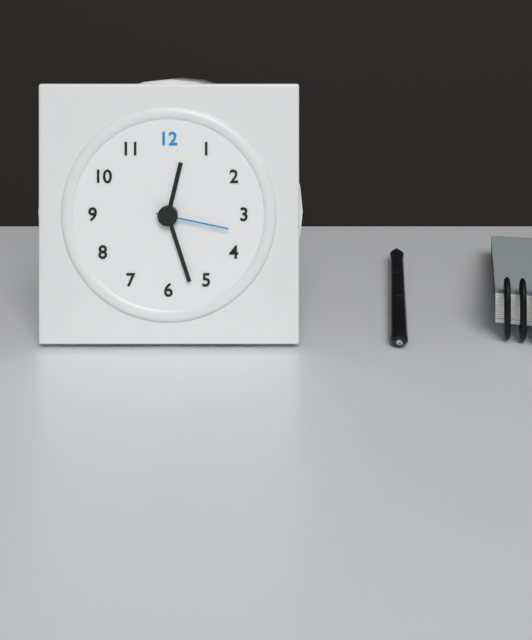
12:27:17
